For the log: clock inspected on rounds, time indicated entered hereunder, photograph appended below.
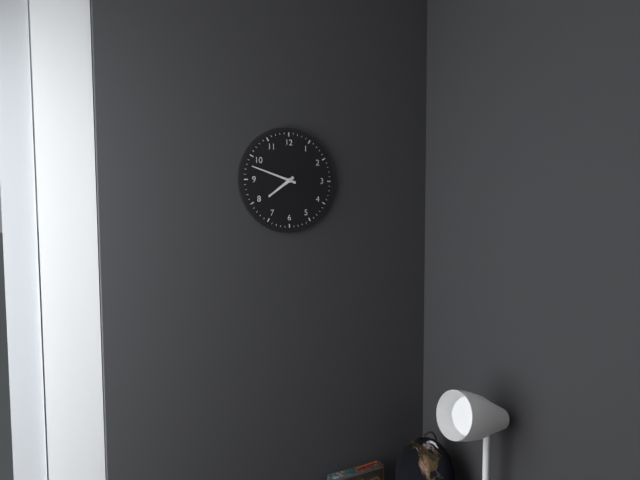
7:48
